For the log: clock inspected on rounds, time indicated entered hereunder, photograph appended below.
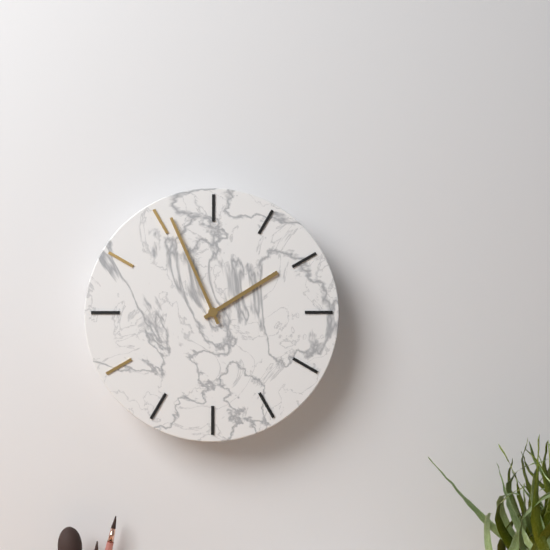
1:56
